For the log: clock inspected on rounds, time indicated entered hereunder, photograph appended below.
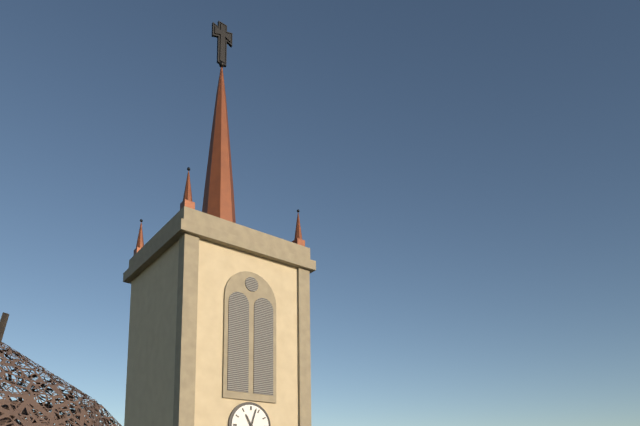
11:03
